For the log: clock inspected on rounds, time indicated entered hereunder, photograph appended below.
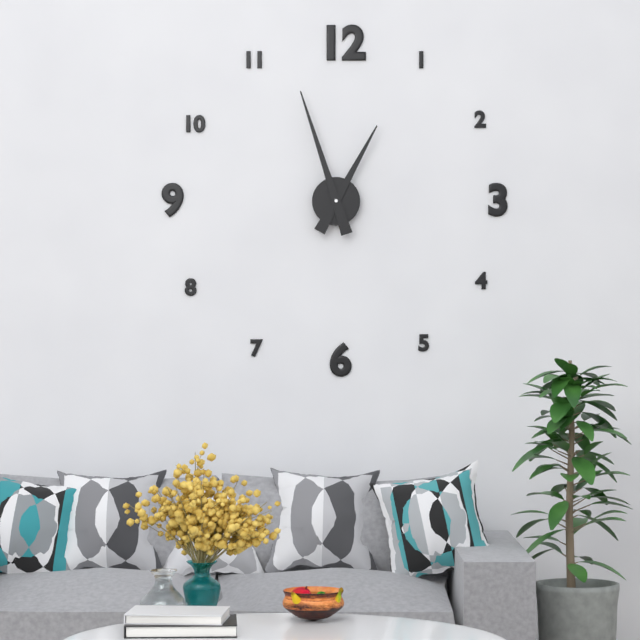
12:57
